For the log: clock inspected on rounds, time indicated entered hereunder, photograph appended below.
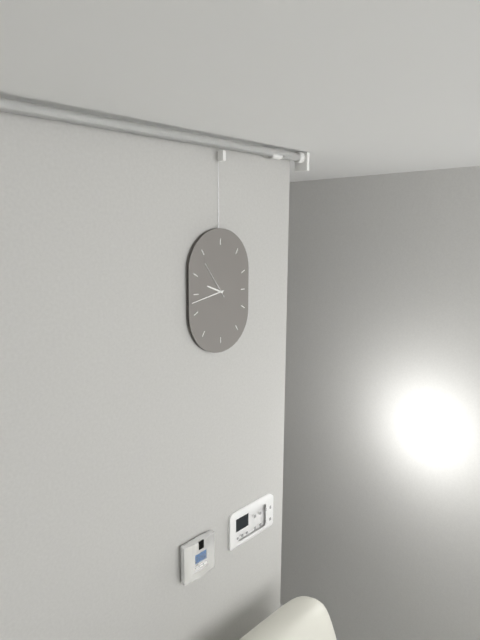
9:43
